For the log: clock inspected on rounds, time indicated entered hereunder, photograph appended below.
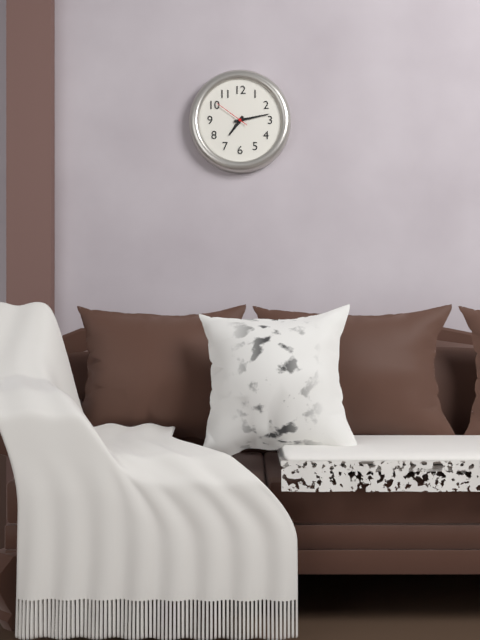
7:13
